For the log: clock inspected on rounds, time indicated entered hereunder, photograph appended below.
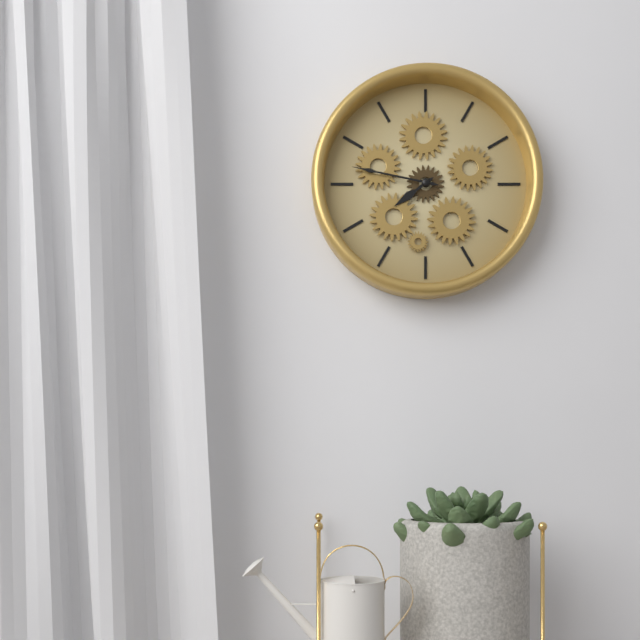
7:47
